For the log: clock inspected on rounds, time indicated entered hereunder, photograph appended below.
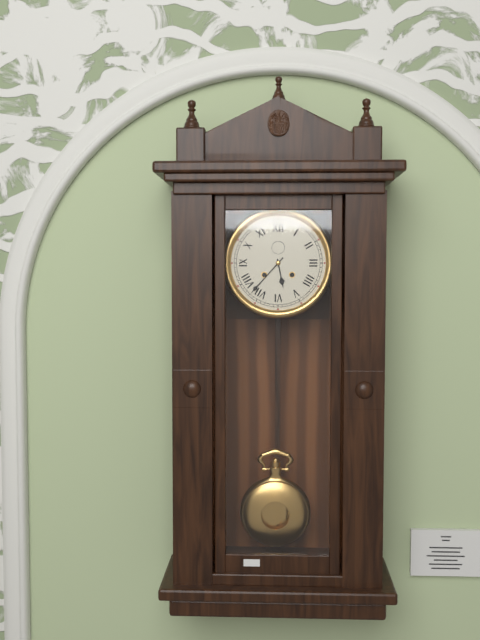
5:37
